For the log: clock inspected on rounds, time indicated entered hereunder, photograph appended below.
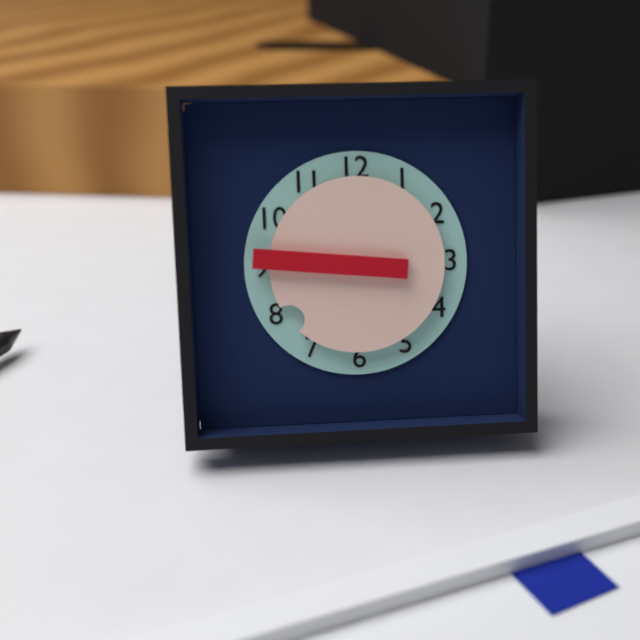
7:46
